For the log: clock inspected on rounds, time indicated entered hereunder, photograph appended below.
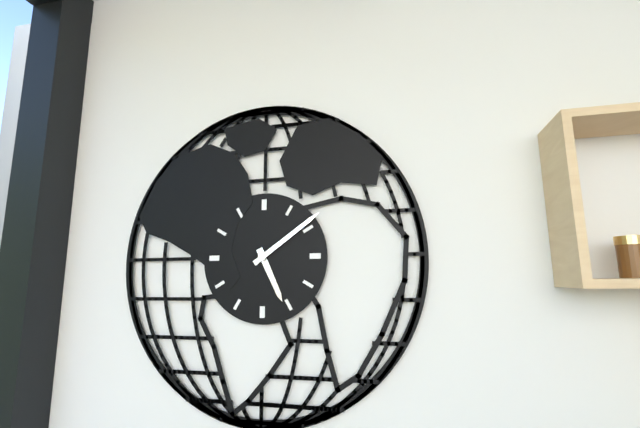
5:09
